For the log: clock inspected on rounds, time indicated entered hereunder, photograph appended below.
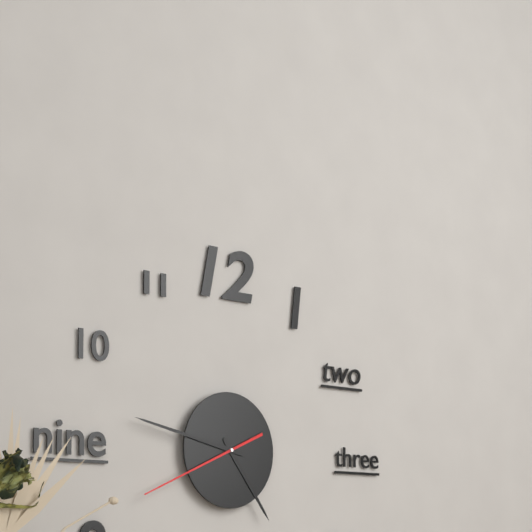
4:47:41
